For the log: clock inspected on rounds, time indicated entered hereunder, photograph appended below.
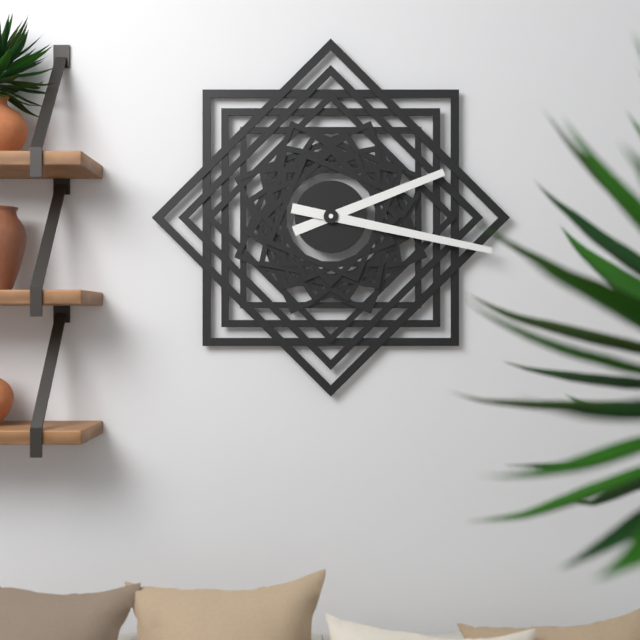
2:17
